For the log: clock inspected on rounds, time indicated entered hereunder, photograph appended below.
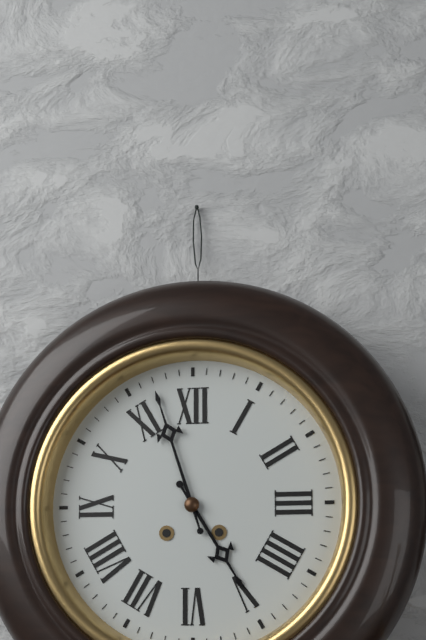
4:57
